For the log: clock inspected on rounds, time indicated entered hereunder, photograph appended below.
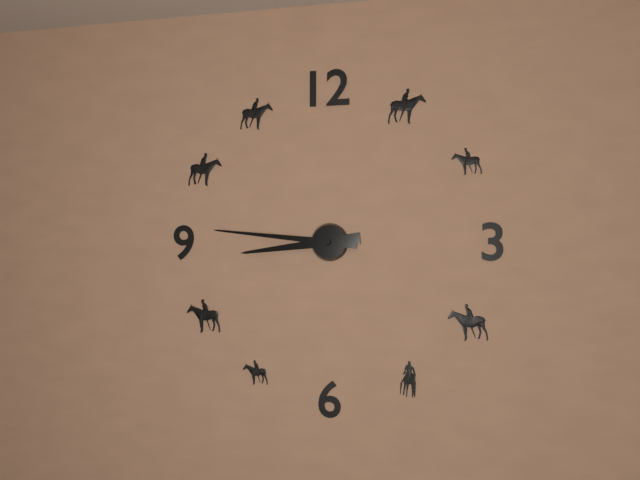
8:46
